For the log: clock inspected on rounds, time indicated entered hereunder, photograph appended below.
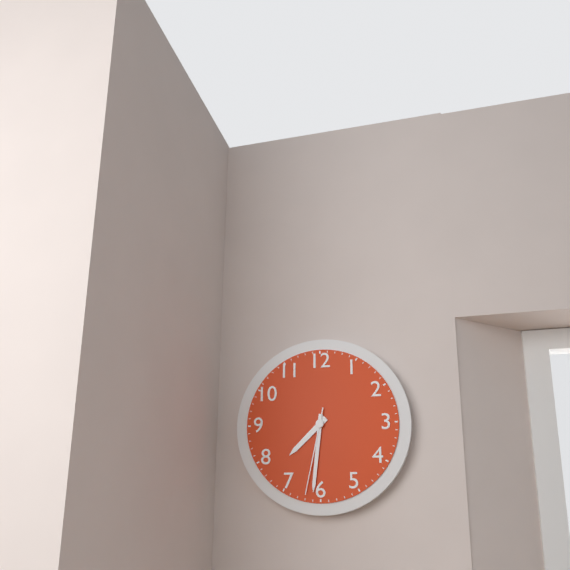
7:31:32
